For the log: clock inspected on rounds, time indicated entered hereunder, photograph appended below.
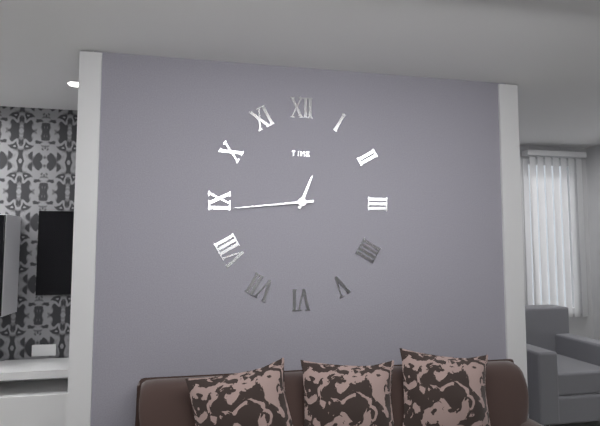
12:44
